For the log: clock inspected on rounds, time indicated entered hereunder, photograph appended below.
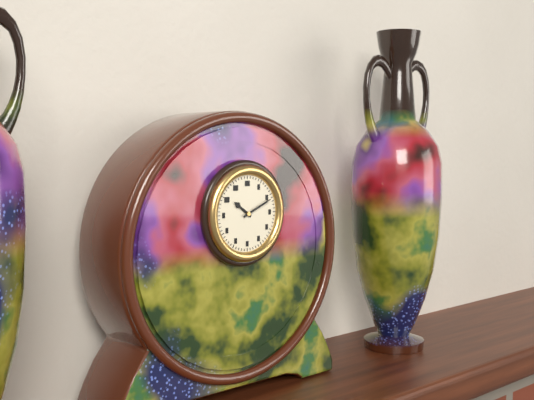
10:11
